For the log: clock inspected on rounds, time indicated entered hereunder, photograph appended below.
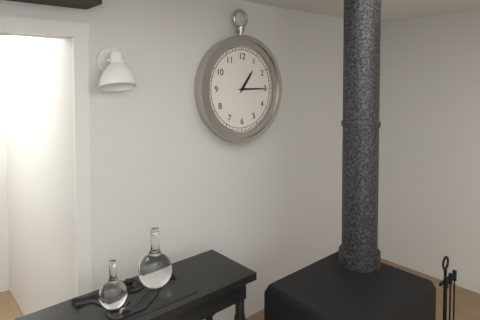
1:15
